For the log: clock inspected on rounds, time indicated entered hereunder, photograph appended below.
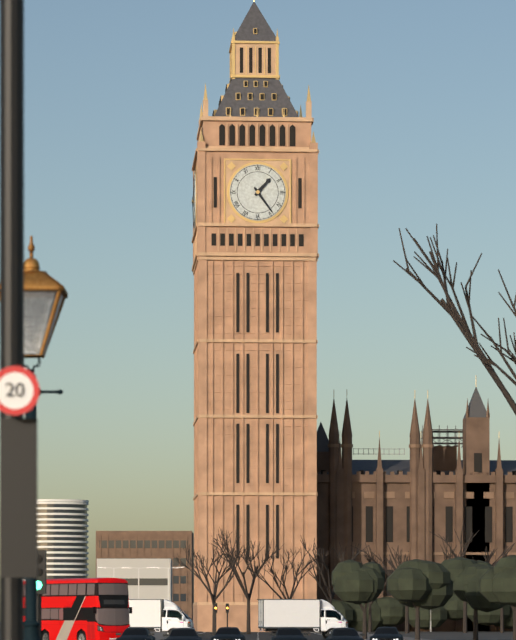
1:24
